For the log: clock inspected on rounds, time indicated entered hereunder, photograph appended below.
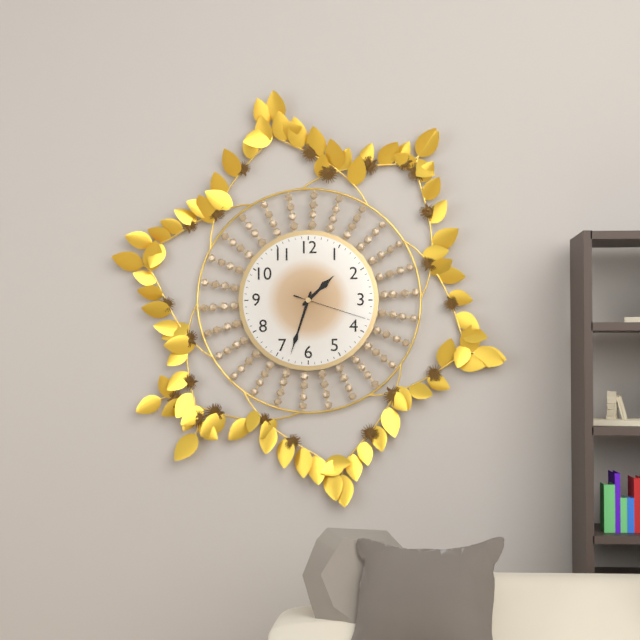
1:33:18
